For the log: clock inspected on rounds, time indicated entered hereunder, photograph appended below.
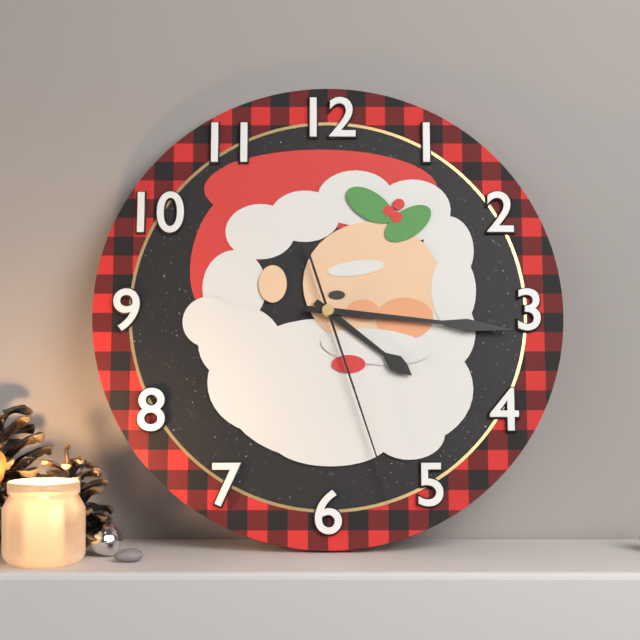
4:16:27
